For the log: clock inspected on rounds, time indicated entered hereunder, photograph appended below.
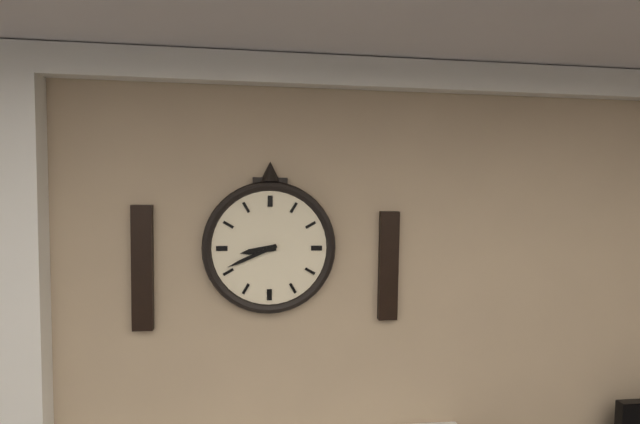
8:41
